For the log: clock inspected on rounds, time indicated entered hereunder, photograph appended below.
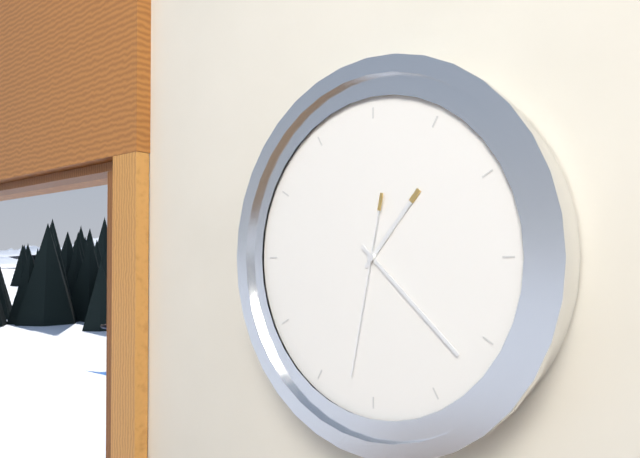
1:22:32
